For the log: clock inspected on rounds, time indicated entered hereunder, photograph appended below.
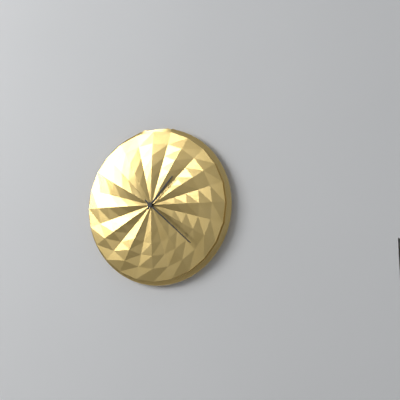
1:22
